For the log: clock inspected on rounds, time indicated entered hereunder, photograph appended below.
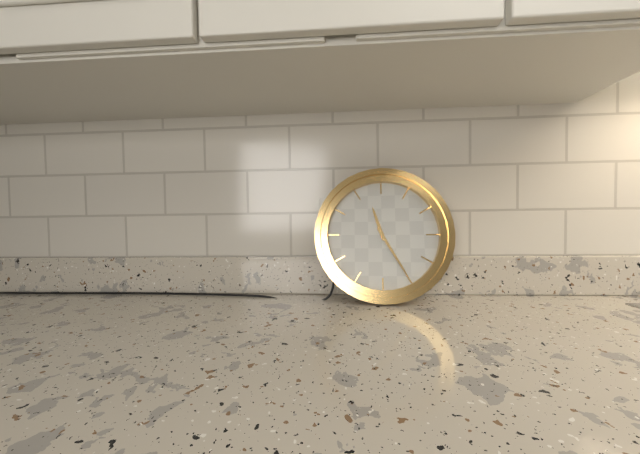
11:25
